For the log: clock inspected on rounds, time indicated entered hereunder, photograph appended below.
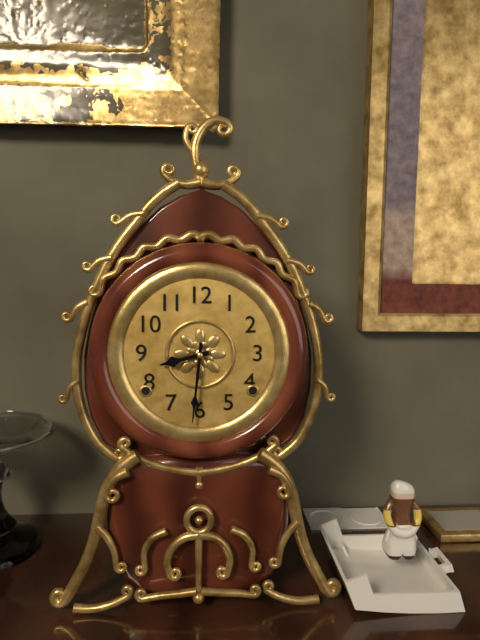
8:31
